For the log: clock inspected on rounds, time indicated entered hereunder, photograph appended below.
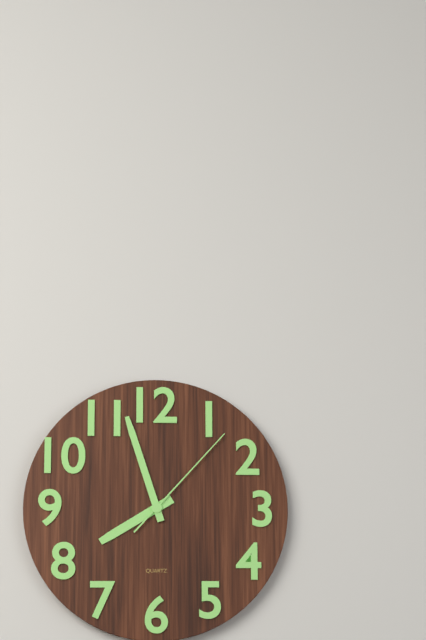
7:57:07
